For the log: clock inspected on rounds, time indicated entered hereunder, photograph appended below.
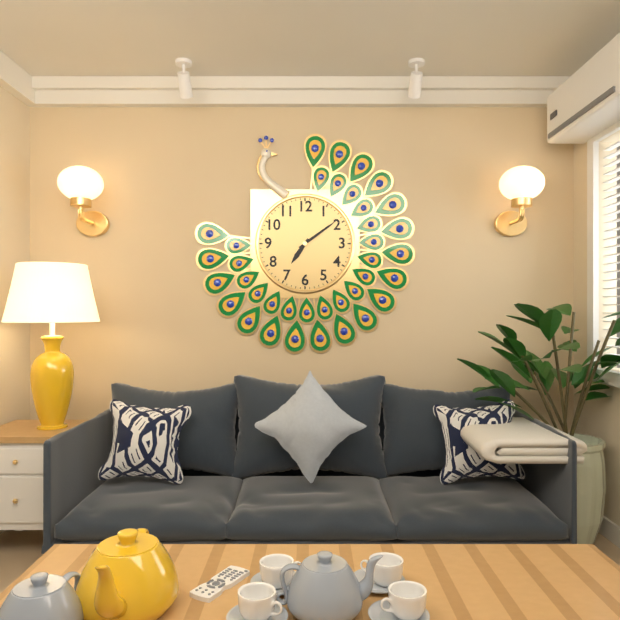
7:09
